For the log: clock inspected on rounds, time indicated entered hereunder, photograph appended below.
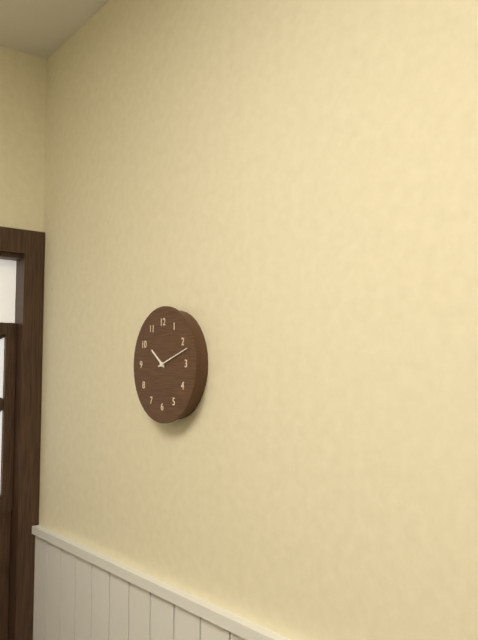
10:12
